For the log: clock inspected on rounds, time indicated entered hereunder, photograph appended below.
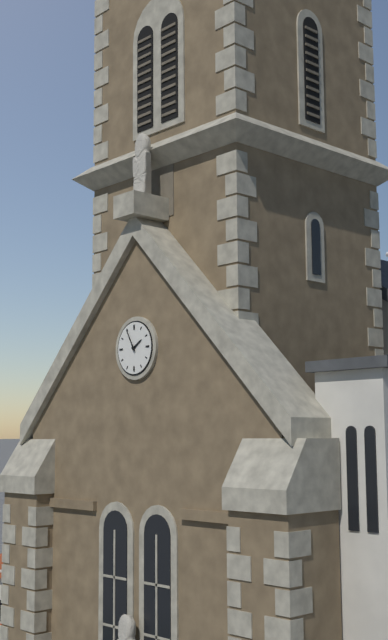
1:55
